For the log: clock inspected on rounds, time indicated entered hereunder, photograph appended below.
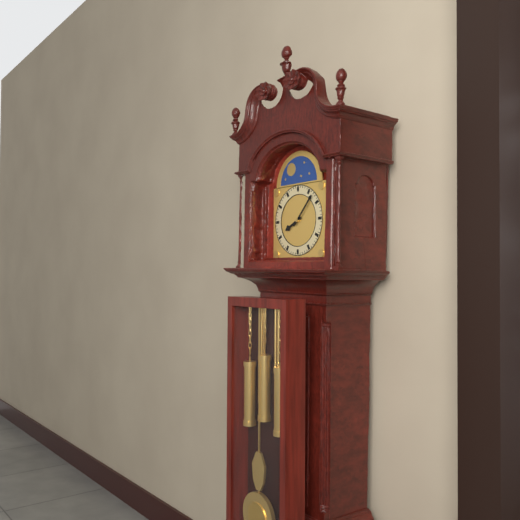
8:07
